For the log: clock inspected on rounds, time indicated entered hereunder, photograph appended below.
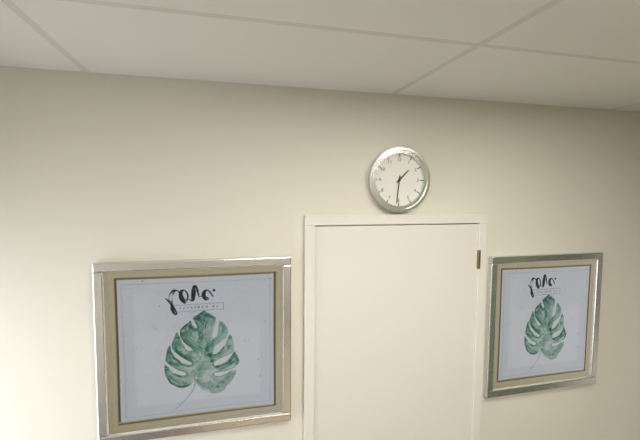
1:31
